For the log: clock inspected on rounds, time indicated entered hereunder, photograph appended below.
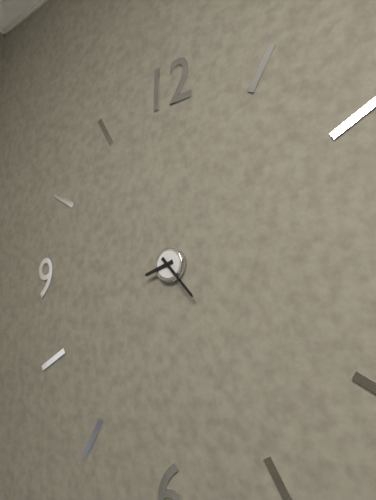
8:23
